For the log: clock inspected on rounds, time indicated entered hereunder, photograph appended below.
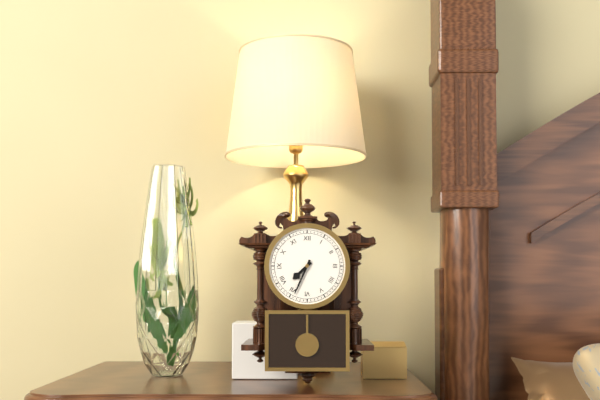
7:34
